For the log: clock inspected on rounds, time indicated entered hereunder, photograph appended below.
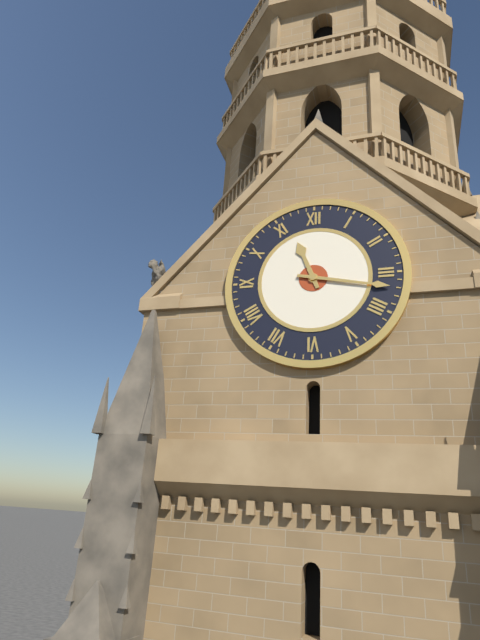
11:17
